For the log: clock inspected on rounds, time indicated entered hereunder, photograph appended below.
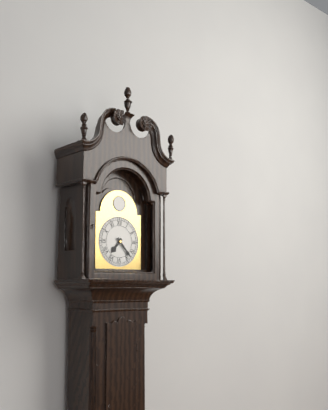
7:23
